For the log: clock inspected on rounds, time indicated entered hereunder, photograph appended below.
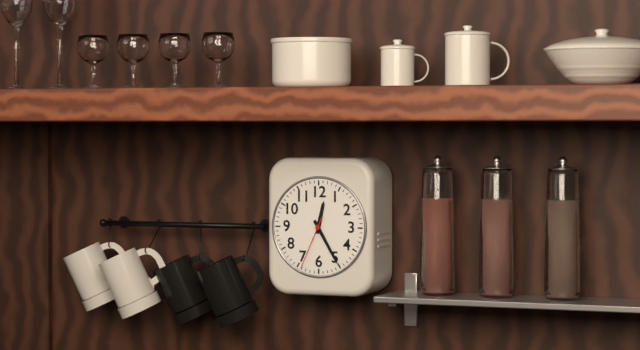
12:25:34
